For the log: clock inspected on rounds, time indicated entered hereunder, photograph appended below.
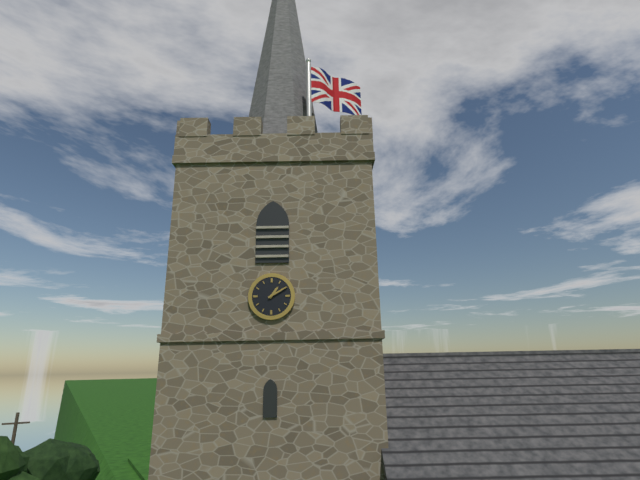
1:10
